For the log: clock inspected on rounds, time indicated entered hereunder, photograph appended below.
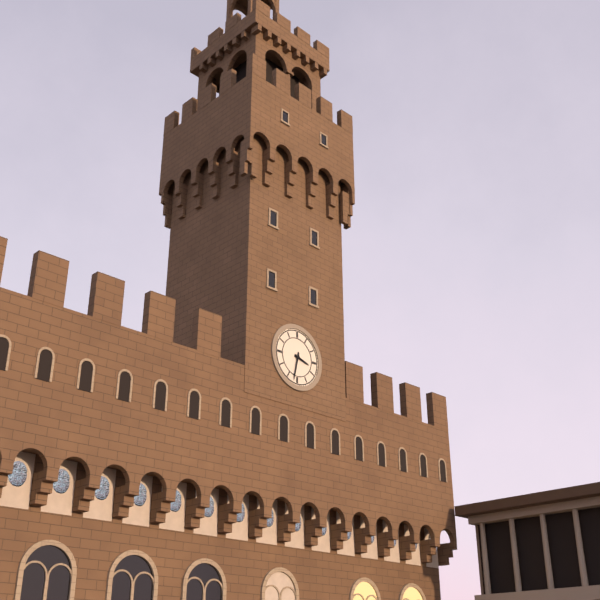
3:32
